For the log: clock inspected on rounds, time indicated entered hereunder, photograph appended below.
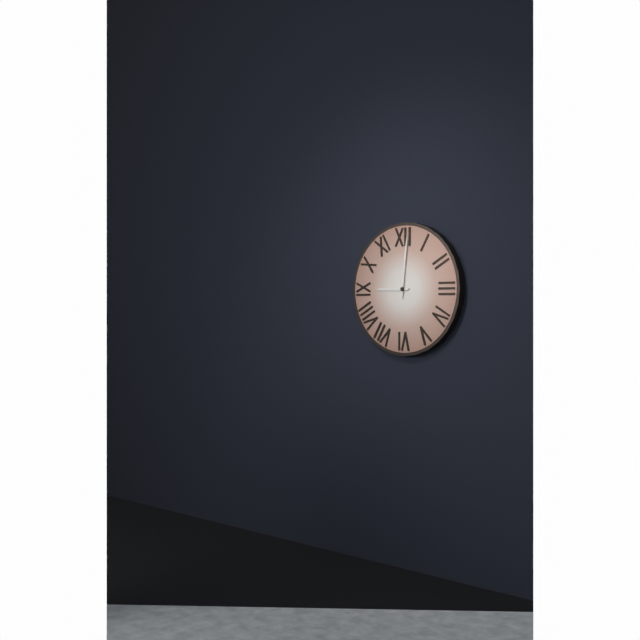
9:01
